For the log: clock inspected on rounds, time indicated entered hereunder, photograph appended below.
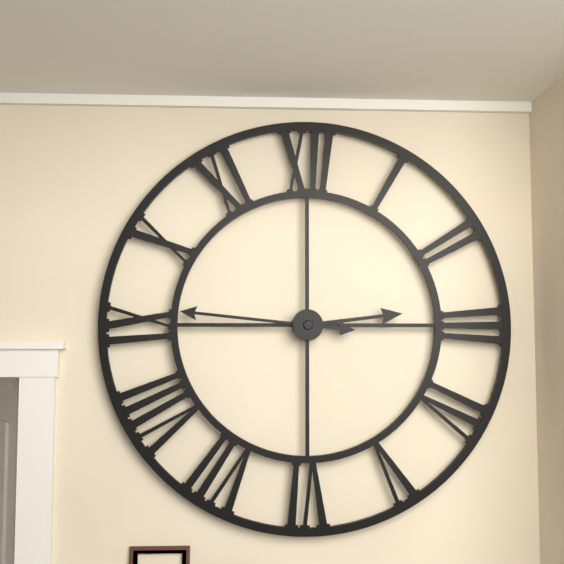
2:46
